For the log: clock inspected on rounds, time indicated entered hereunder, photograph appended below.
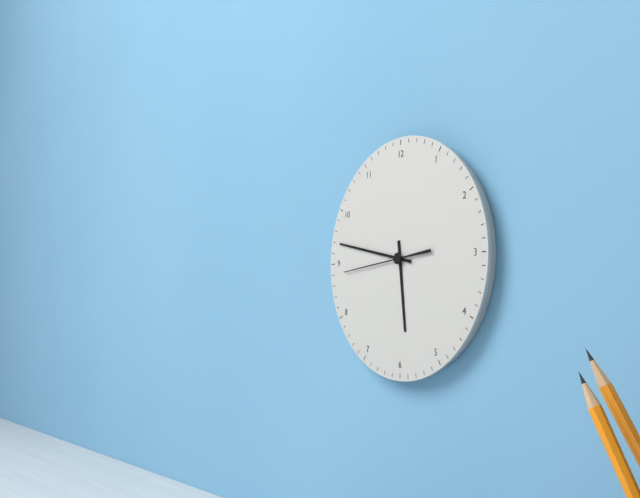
5:47:44
